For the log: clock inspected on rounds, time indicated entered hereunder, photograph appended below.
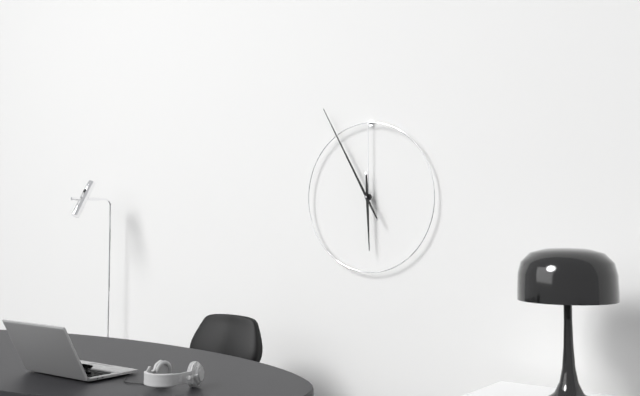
5:55
